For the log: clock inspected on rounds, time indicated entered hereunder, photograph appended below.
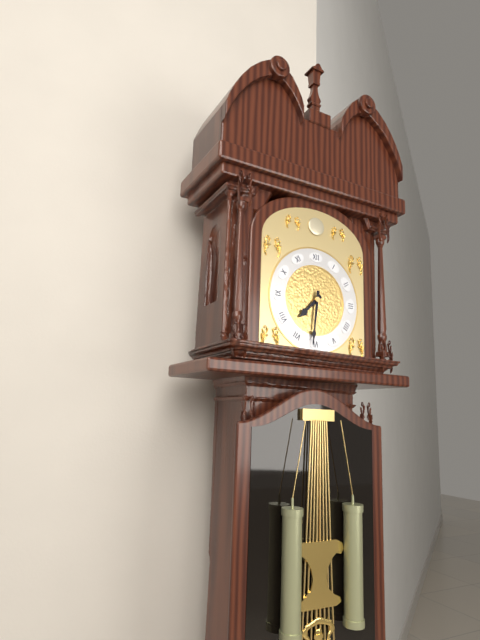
7:31
